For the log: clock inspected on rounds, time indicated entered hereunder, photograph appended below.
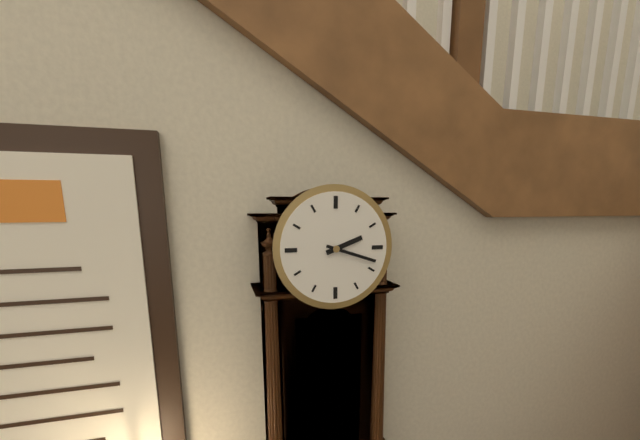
2:18
